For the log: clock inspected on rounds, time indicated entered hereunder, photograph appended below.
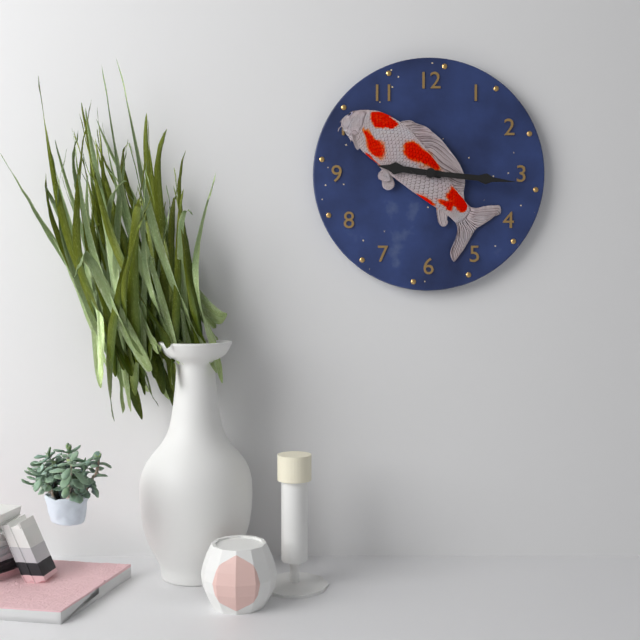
9:16
